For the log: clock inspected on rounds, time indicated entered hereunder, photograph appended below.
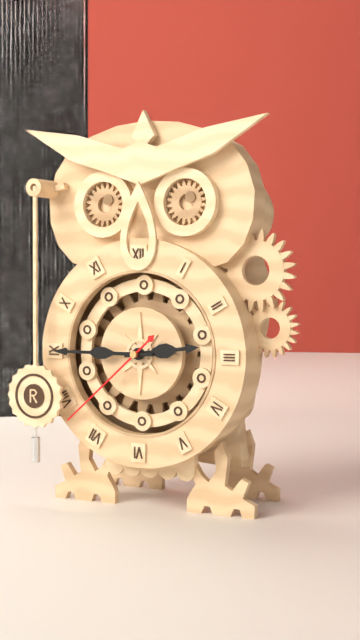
2:45:38
